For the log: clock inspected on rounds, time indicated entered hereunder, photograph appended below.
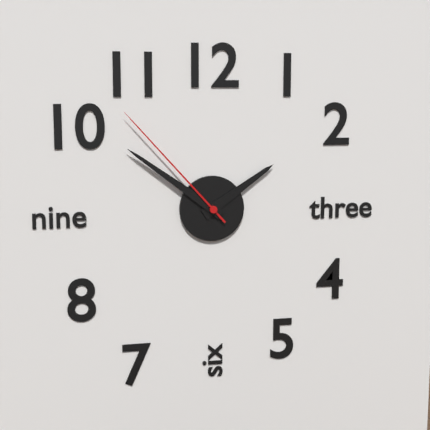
1:51:53
